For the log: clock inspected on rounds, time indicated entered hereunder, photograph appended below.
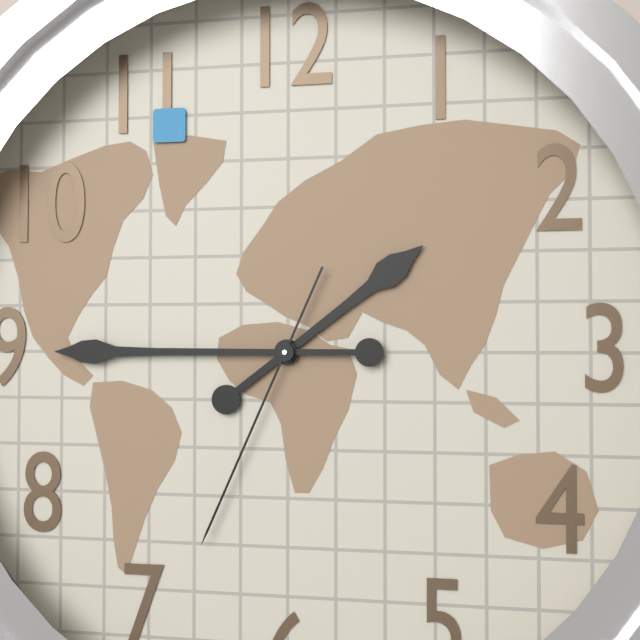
1:45:34
